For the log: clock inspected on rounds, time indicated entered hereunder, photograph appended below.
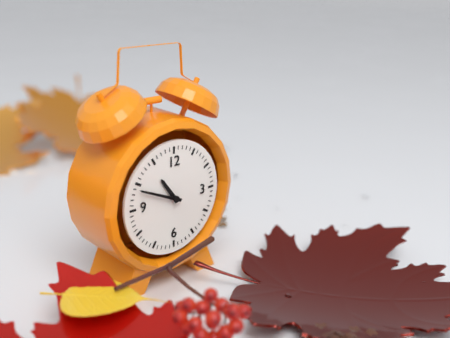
10:49
